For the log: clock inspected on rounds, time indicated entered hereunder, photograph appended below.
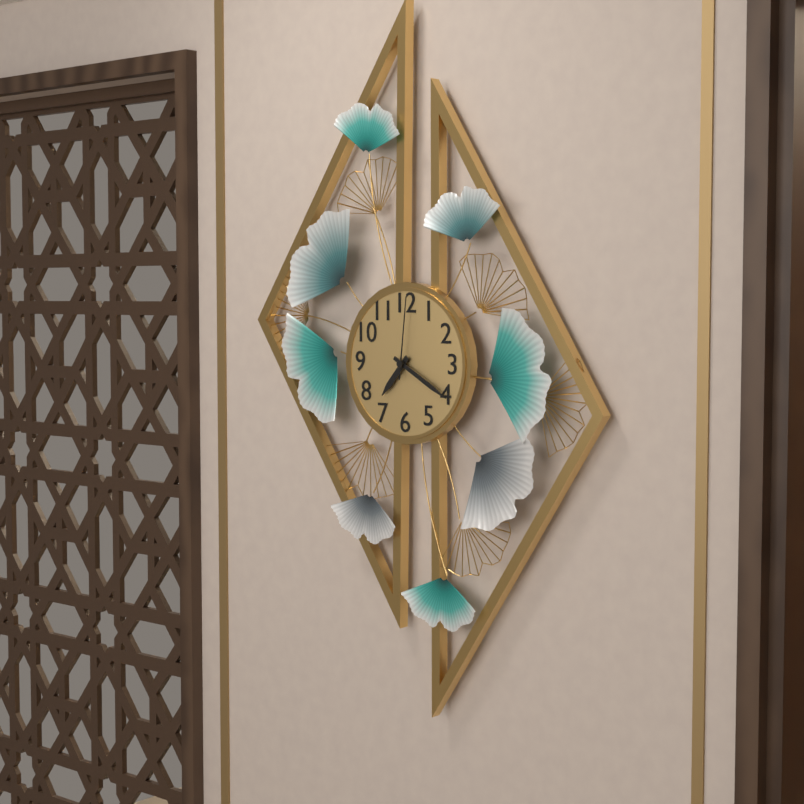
7:20:01
